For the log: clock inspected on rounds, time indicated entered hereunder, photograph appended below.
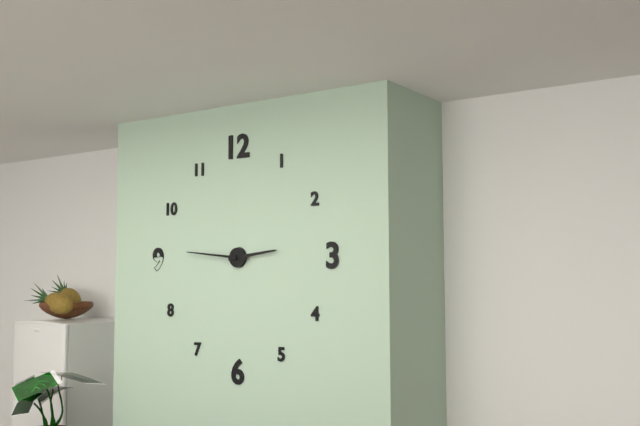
2:46
